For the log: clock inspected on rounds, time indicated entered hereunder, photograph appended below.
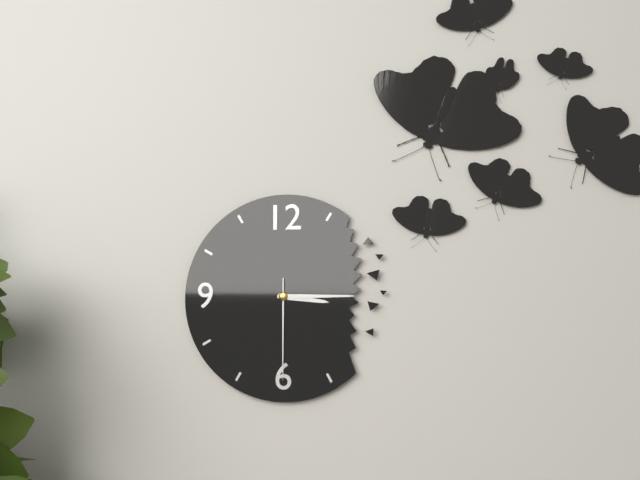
3:15:30
